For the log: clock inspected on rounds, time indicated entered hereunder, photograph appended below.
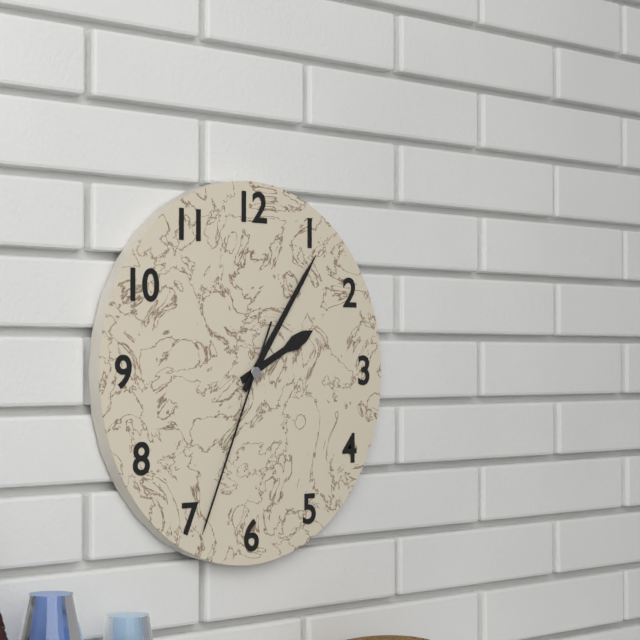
2:06:34
